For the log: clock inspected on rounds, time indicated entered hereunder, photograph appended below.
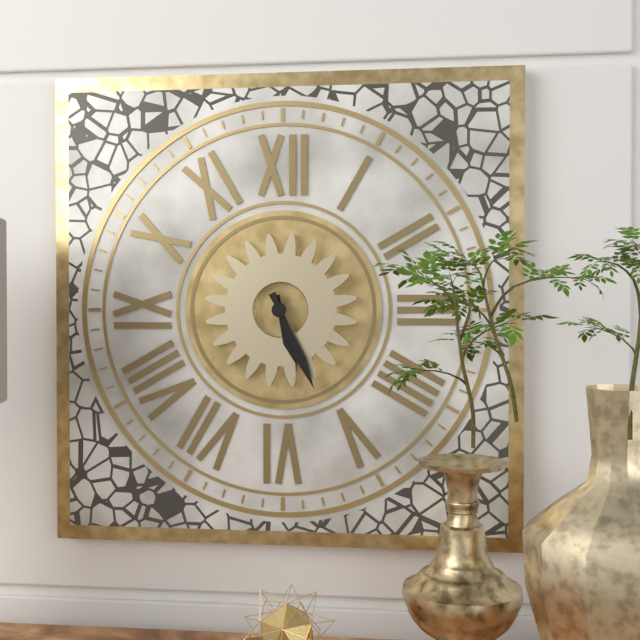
5:26
